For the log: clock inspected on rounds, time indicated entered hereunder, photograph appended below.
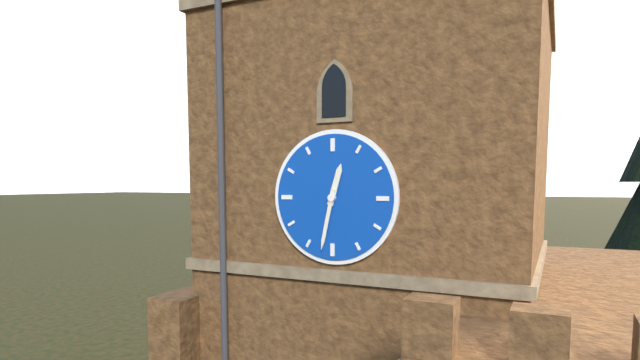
12:32
